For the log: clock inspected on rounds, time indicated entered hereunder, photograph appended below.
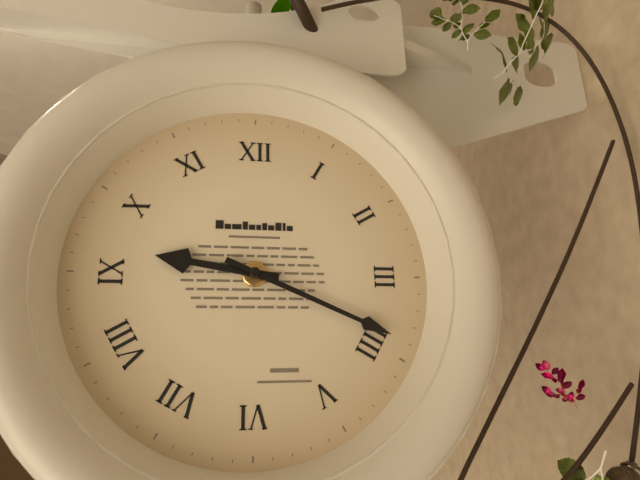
9:19
